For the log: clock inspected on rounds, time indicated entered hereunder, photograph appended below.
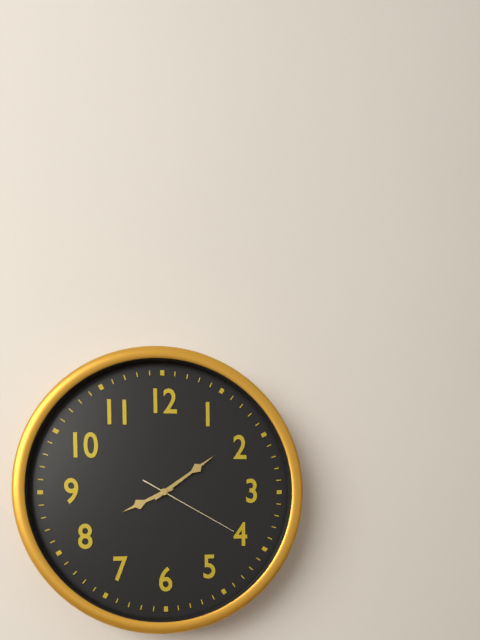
8:09:20
